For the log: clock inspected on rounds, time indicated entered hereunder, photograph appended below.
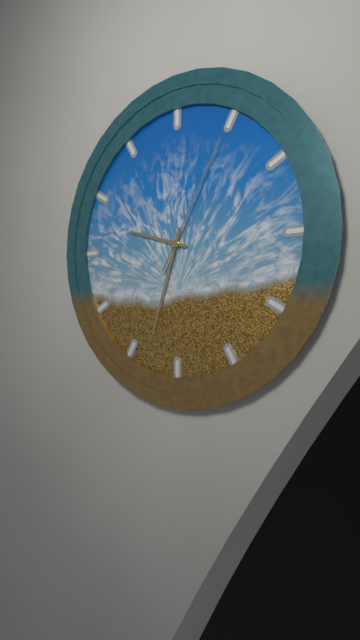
9:33:05
